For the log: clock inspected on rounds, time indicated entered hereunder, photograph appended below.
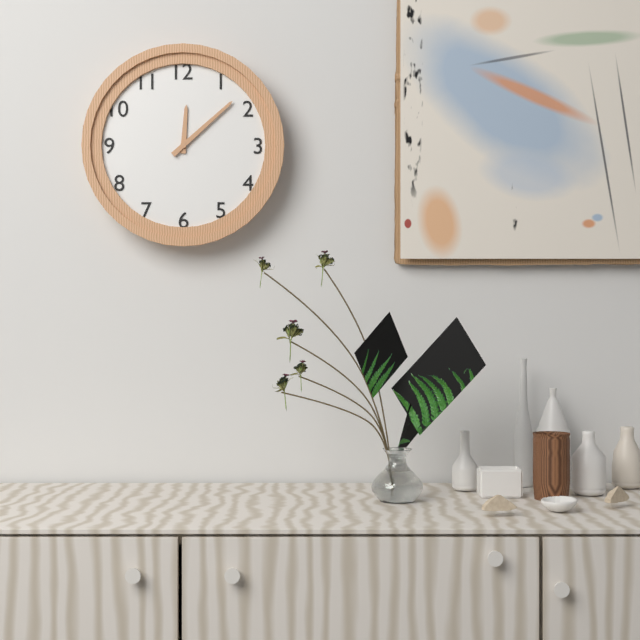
12:08
